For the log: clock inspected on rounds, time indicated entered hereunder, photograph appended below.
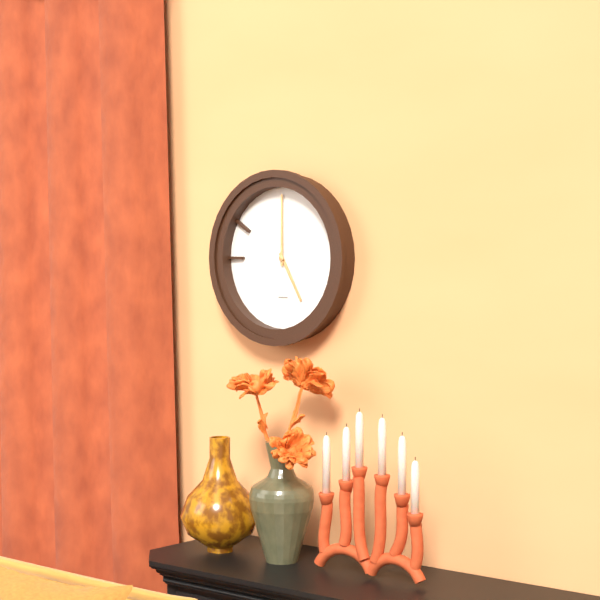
5:00
